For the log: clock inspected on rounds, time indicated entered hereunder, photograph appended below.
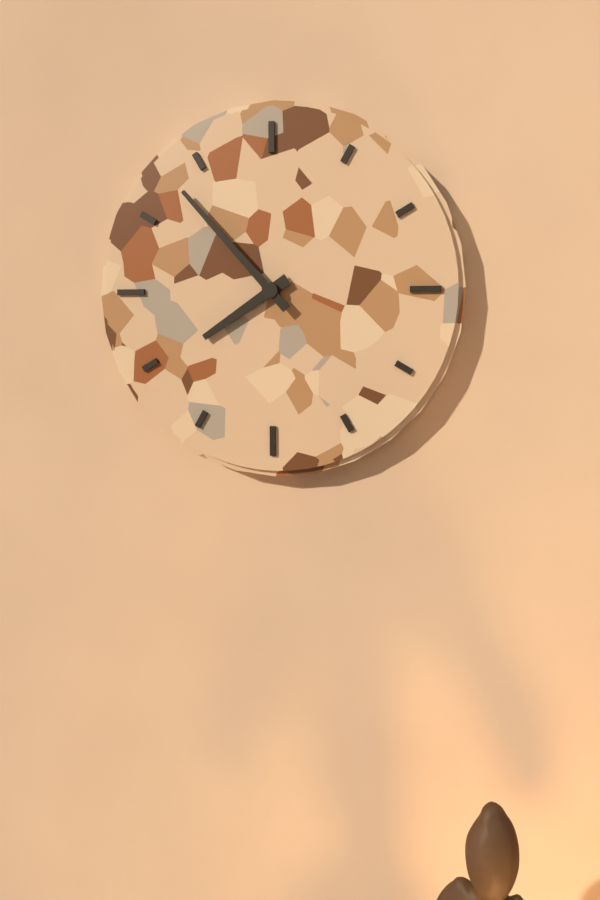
7:53
